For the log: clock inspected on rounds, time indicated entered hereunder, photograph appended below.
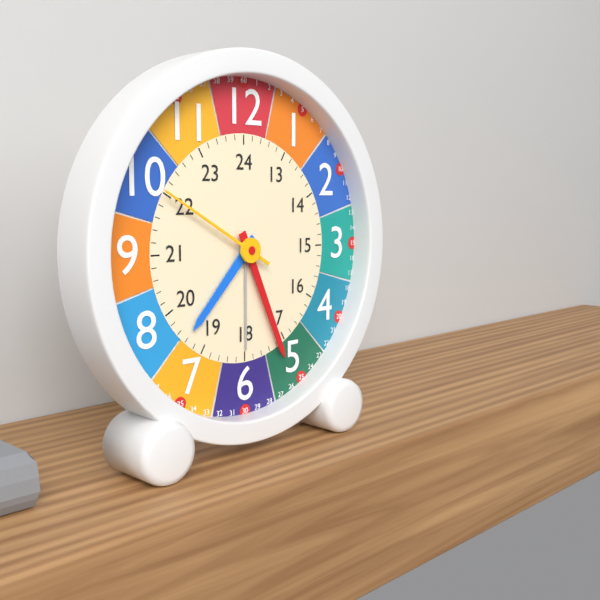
7:26:50
